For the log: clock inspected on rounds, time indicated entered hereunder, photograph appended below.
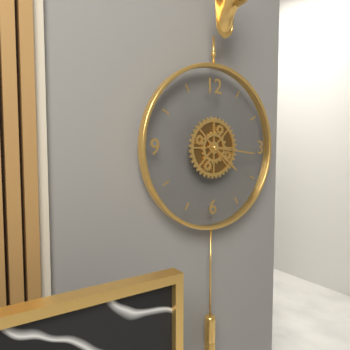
4:16
